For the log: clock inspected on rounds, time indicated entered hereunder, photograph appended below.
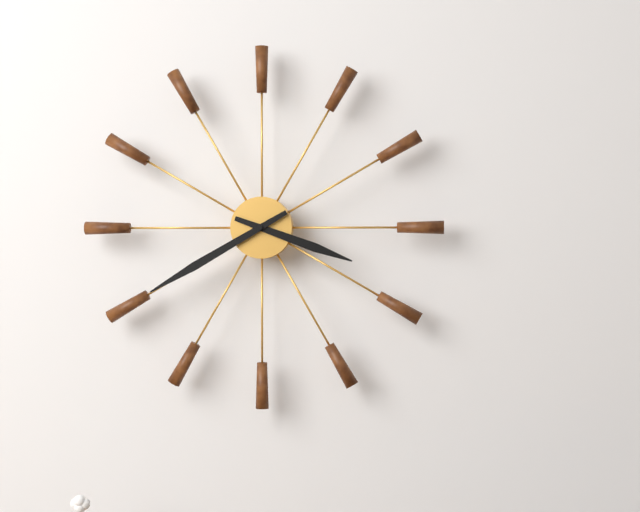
3:40
